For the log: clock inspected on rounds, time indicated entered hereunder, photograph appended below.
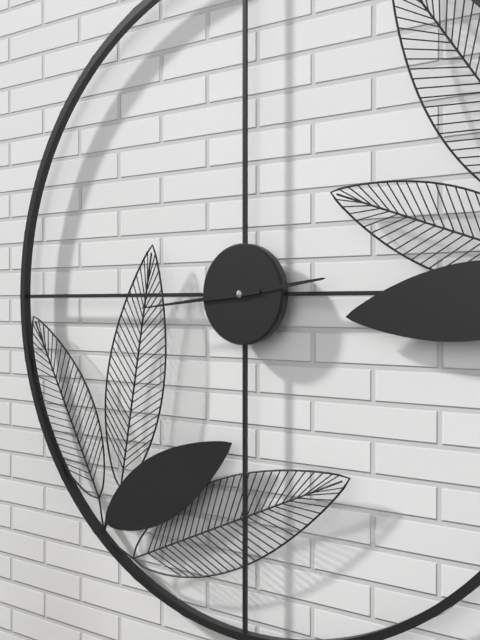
2:44
